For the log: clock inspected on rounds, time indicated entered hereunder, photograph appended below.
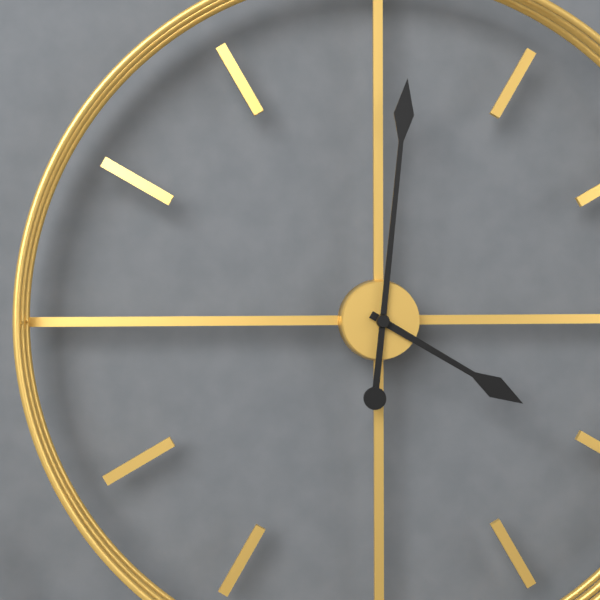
4:01
